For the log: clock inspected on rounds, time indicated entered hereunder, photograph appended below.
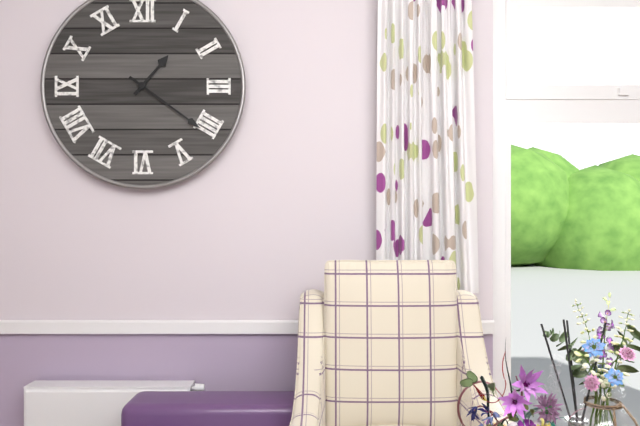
1:21
